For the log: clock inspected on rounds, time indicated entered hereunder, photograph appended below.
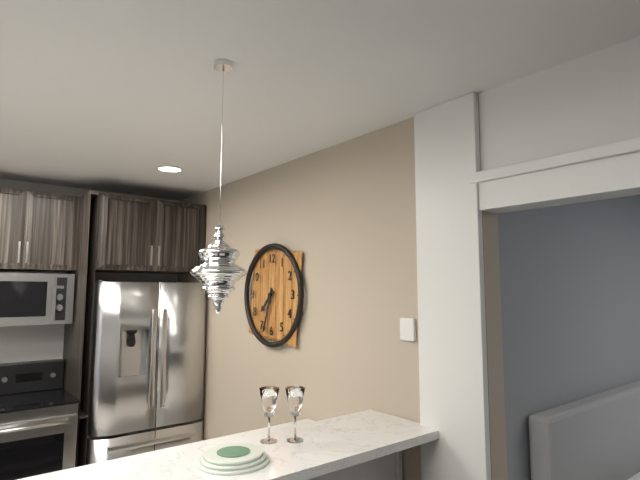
7:33
